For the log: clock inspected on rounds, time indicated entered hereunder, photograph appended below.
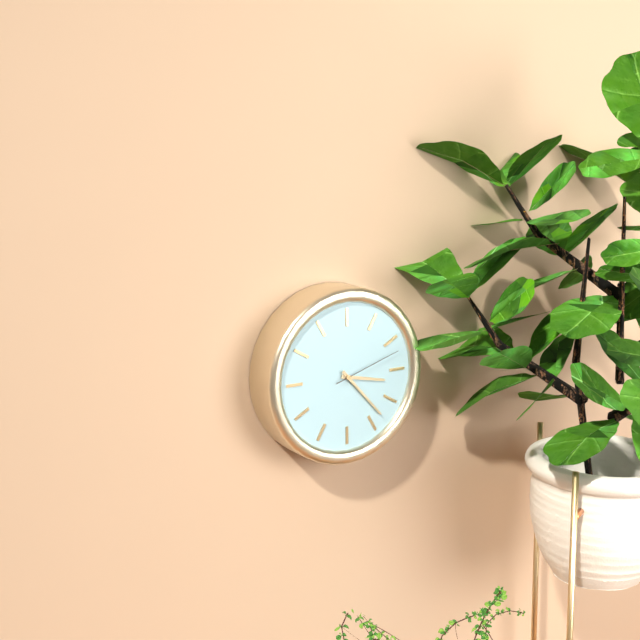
3:23:12
